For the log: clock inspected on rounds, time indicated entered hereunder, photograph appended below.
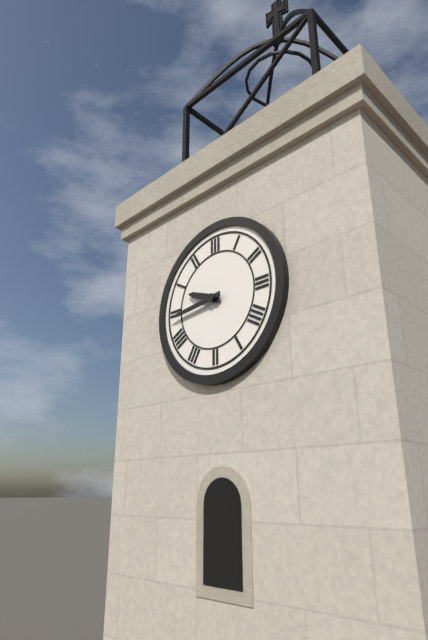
9:44
